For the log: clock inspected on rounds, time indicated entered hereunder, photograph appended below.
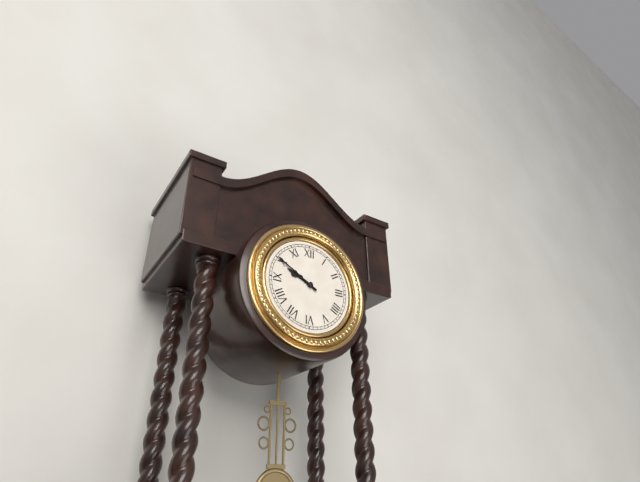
9:50
